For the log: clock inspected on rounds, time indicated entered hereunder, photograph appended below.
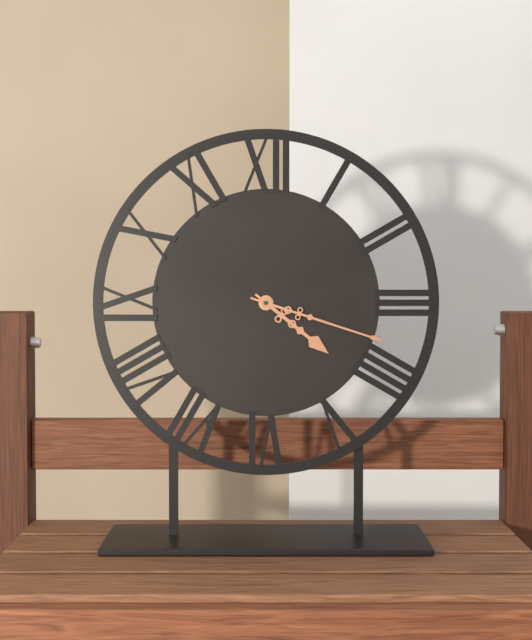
4:18
